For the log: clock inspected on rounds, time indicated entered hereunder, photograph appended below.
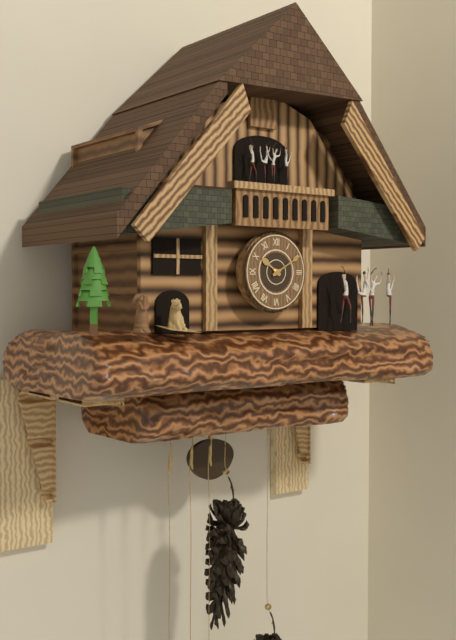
10:10
